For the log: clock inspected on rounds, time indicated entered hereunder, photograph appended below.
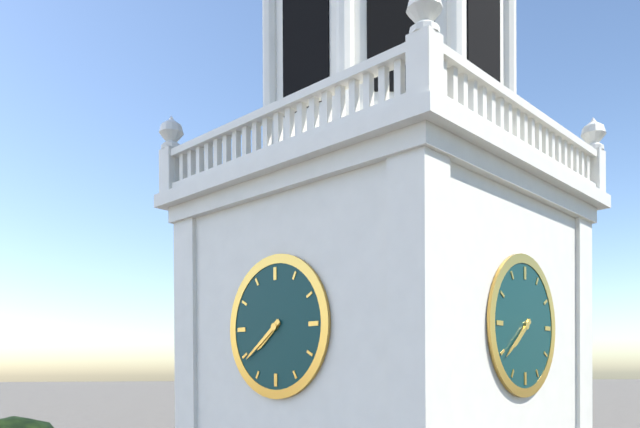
7:39
